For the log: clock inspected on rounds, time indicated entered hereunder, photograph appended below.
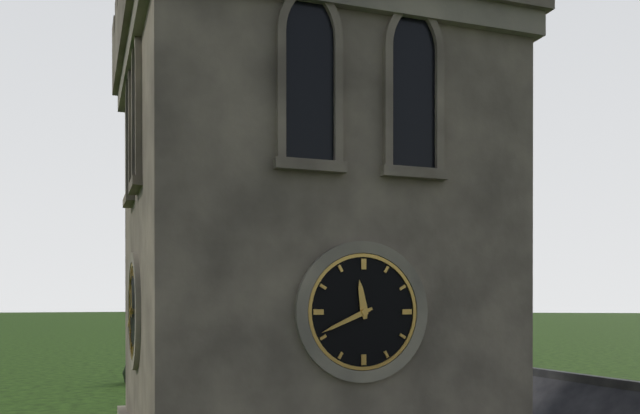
11:41
